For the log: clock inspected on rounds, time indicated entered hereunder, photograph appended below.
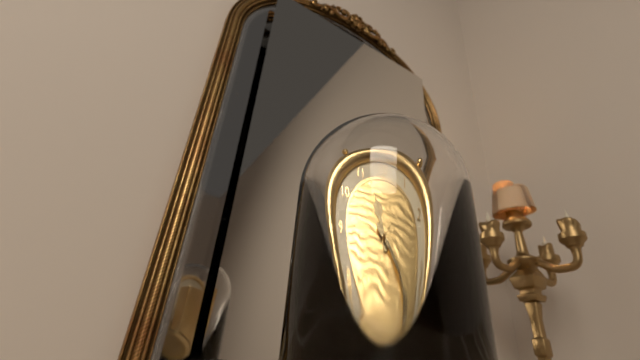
11:22
